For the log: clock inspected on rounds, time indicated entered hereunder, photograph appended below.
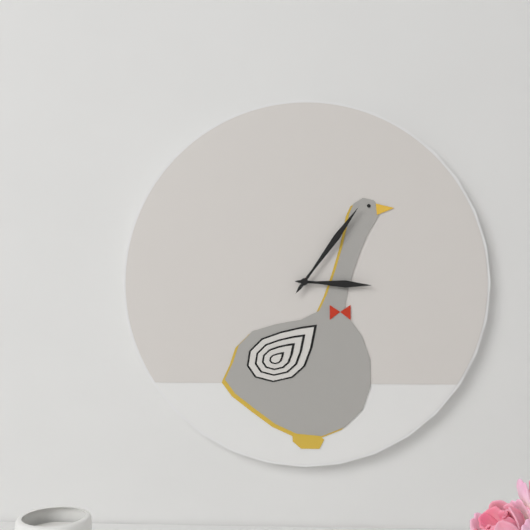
3:06
